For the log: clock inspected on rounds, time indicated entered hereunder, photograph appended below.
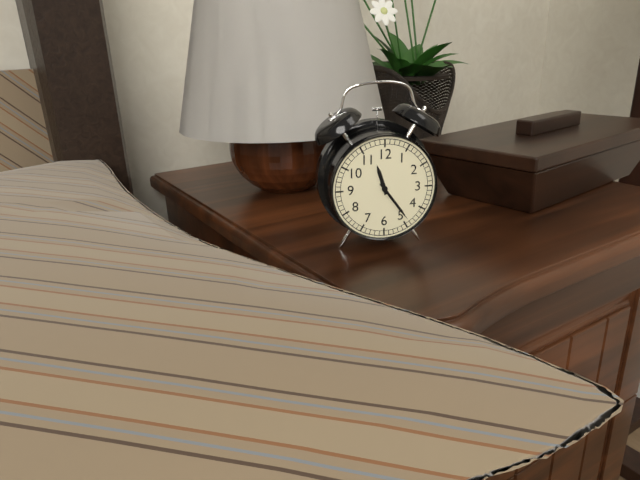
11:24
